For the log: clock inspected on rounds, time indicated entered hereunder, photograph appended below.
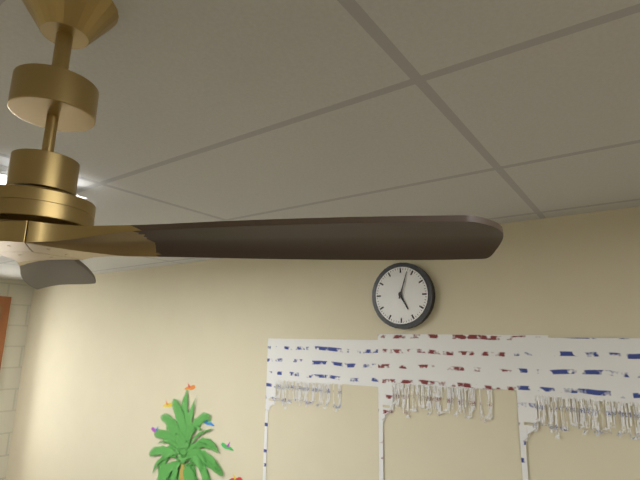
5:03
